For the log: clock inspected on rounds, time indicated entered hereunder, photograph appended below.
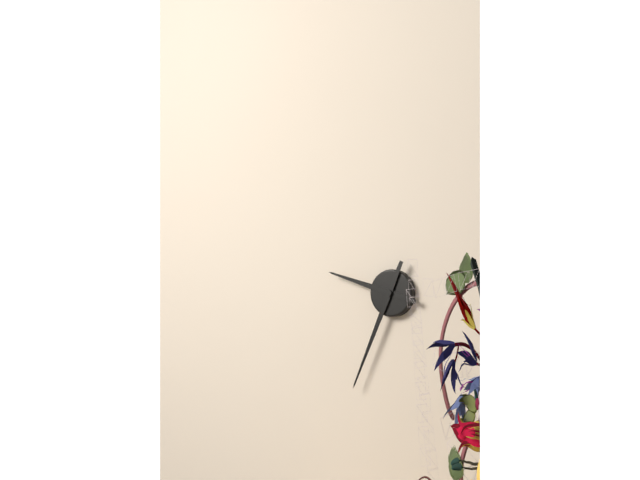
9:34
